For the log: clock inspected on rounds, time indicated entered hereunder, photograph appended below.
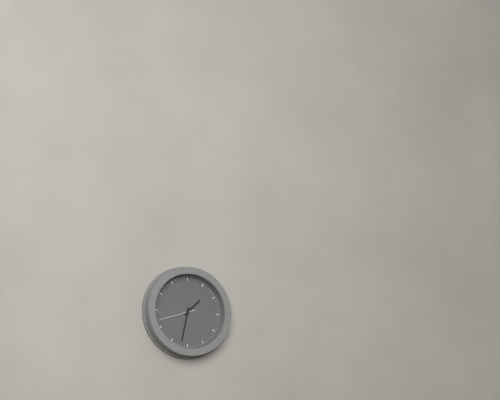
1:32
